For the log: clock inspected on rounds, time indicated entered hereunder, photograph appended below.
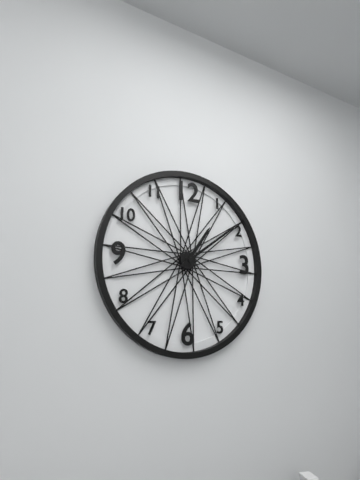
1:09
